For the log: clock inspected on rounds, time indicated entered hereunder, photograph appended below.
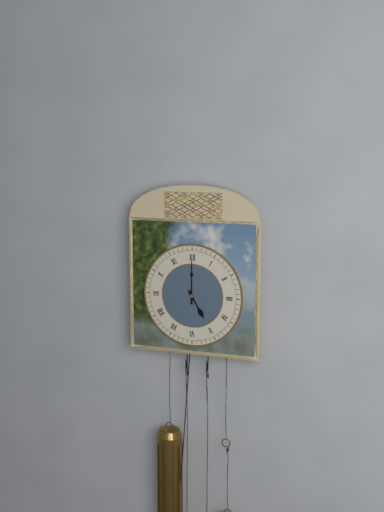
5:00
